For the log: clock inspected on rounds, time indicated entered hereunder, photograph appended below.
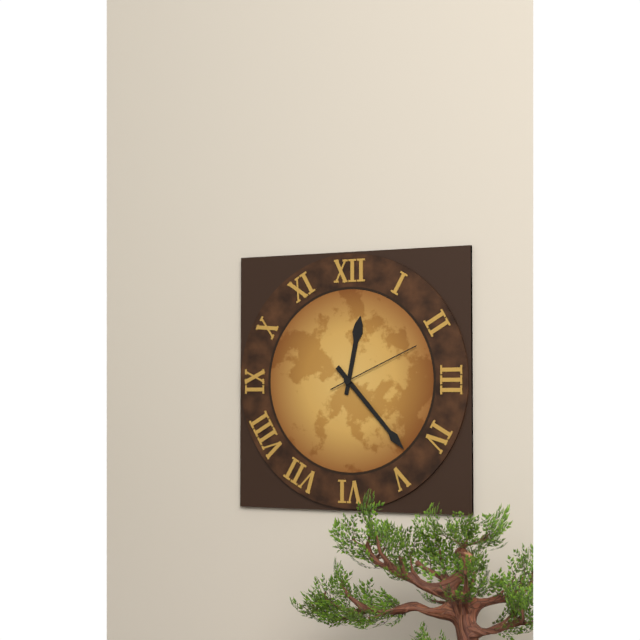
12:23:11
